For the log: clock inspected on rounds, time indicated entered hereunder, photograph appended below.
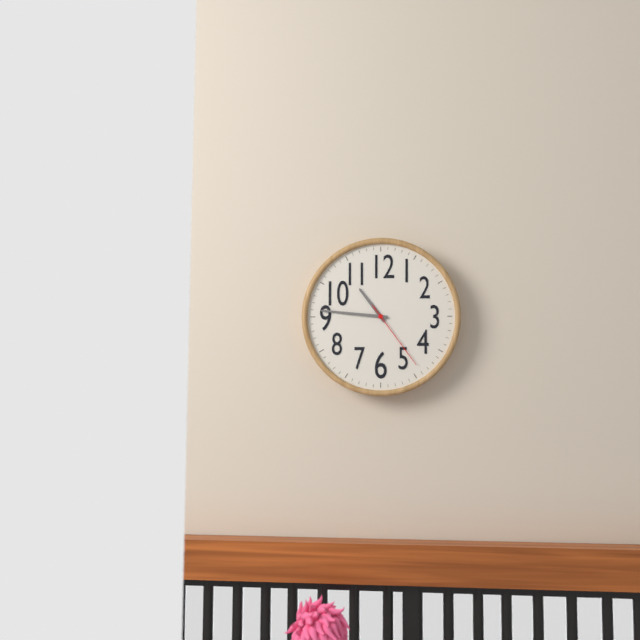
10:46:24
